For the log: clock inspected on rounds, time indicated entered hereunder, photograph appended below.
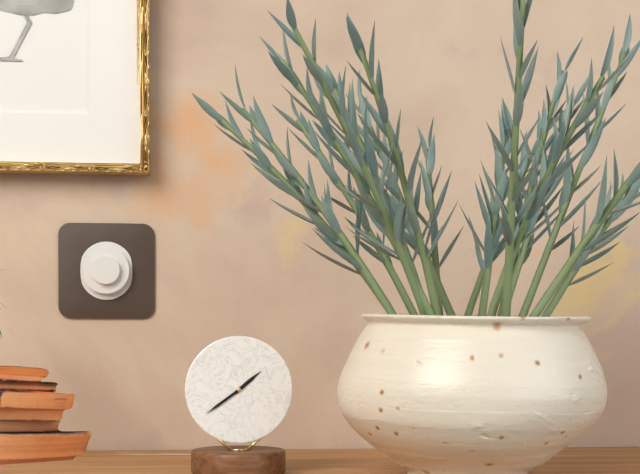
1:39
